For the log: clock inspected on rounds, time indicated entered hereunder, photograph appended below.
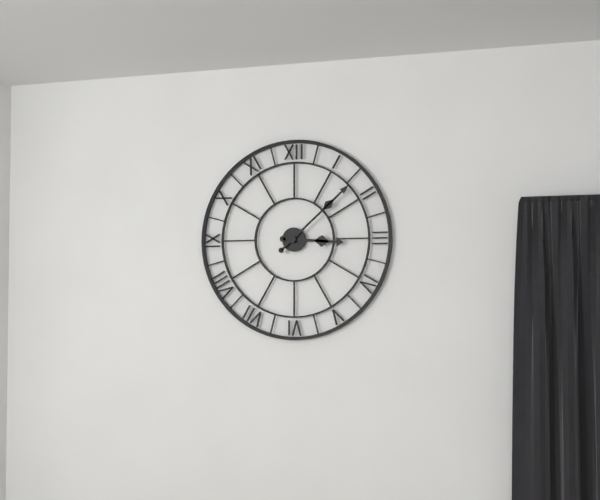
3:08
